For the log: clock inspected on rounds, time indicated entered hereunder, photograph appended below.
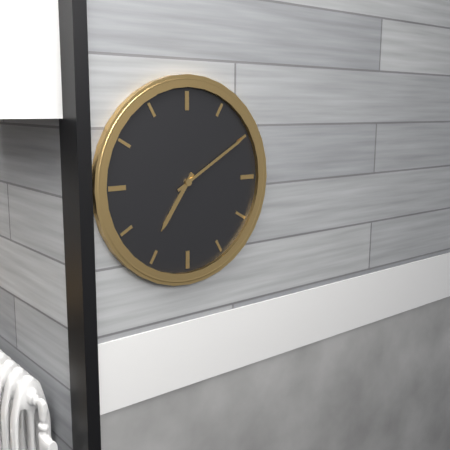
7:10
